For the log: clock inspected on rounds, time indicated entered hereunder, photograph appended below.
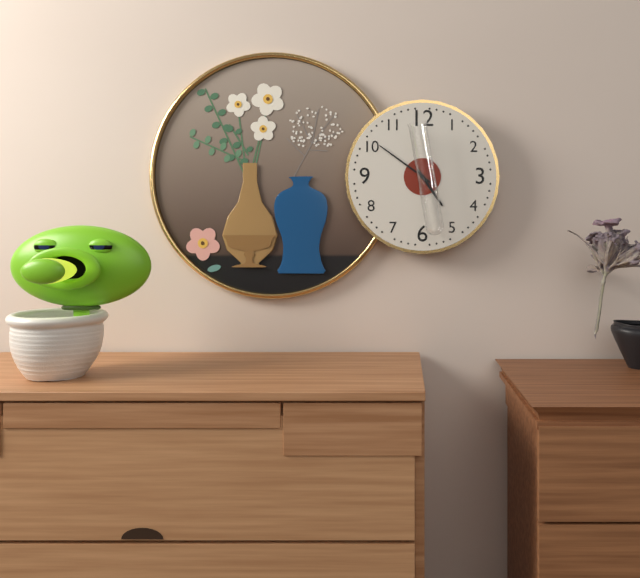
4:51
